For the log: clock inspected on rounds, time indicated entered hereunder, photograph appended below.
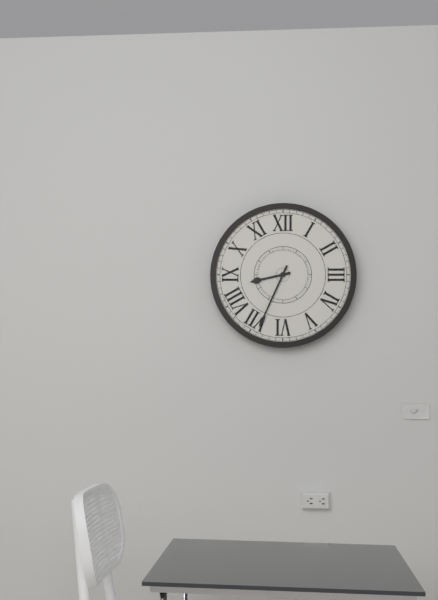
8:34
